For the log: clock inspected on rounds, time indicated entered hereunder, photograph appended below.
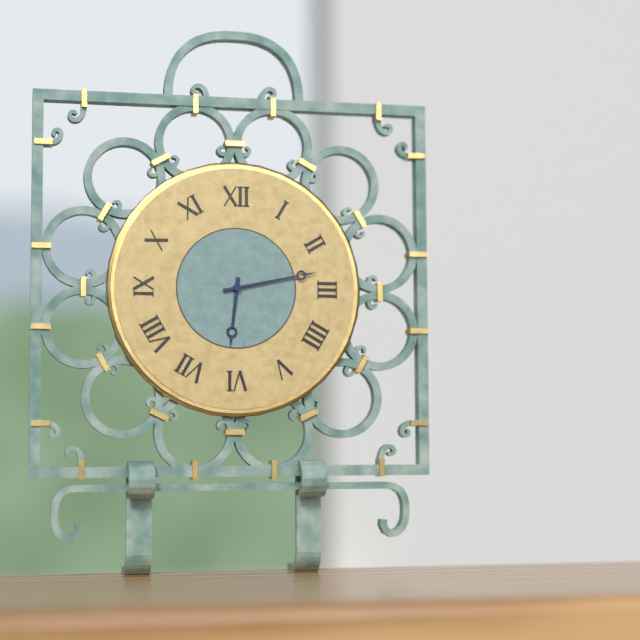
6:13
